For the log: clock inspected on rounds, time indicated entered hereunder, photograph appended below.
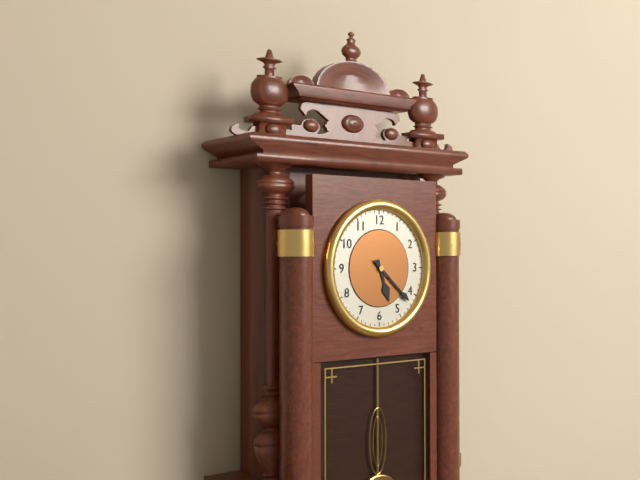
5:22
